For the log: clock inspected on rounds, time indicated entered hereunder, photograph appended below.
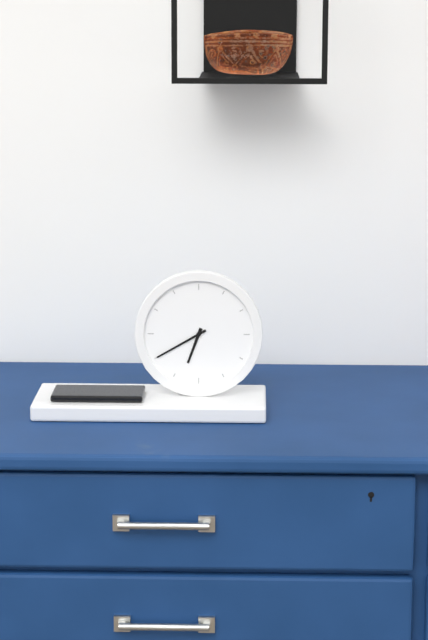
6:40
